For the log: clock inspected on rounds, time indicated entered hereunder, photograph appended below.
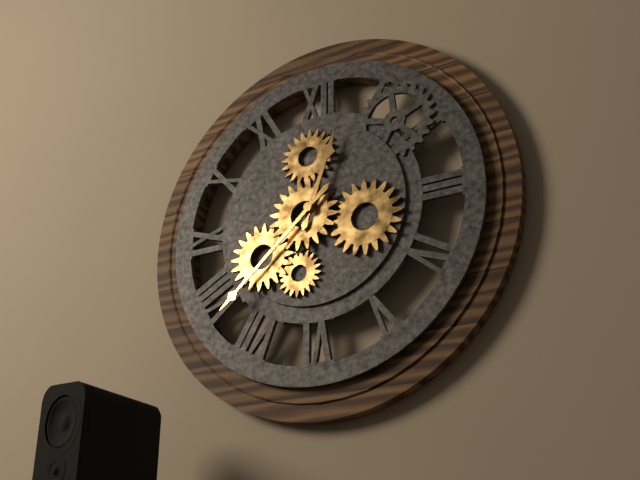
12:38
